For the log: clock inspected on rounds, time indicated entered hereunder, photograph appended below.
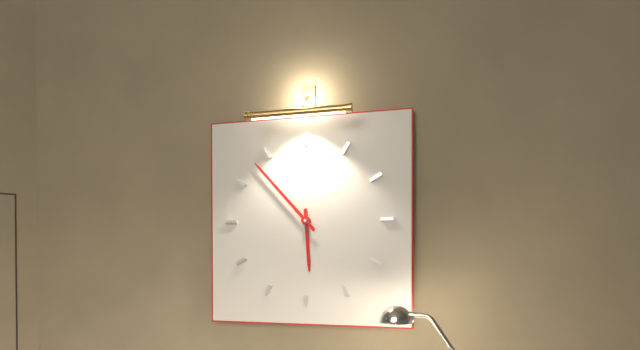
5:53
